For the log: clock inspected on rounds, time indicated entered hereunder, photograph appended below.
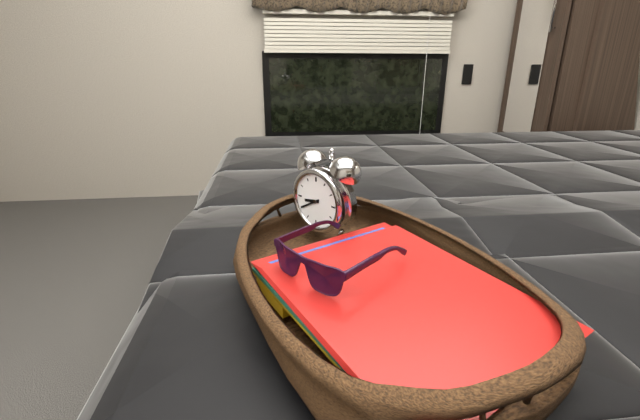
8:40
